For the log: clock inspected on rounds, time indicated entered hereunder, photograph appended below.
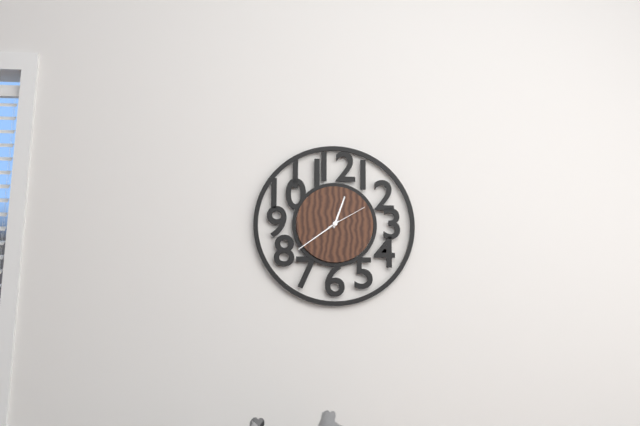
12:39
